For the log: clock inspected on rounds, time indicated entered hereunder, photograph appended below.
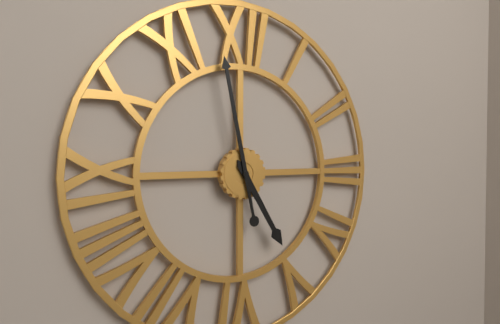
4:58
